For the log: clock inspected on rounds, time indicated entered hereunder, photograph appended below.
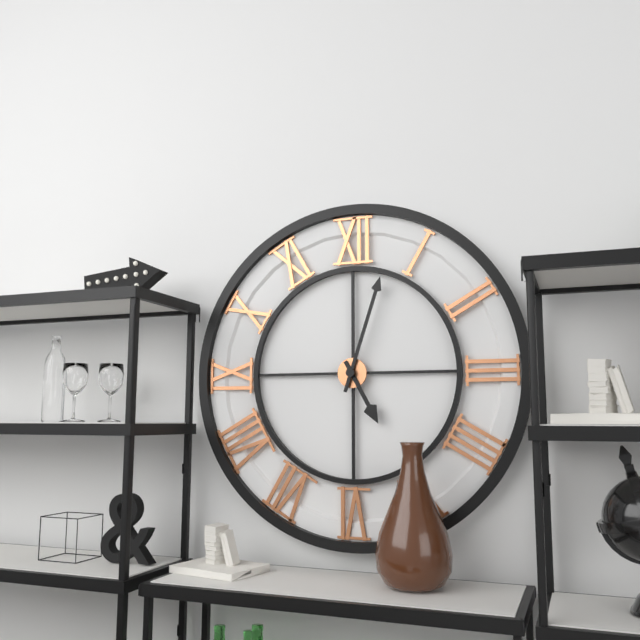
5:03
